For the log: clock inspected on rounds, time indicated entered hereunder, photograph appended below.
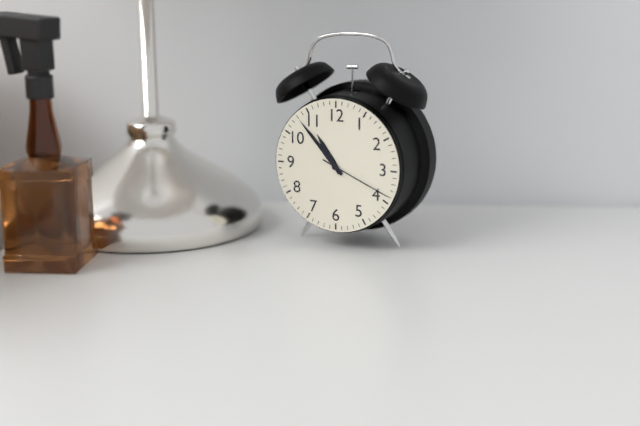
10:53:19
